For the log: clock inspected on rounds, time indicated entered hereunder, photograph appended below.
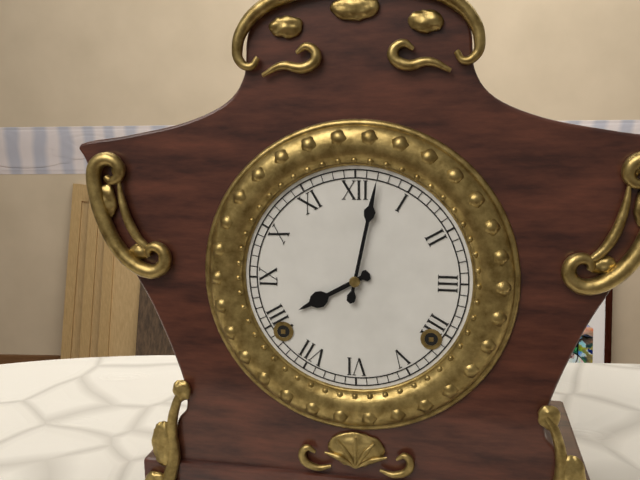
8:02
